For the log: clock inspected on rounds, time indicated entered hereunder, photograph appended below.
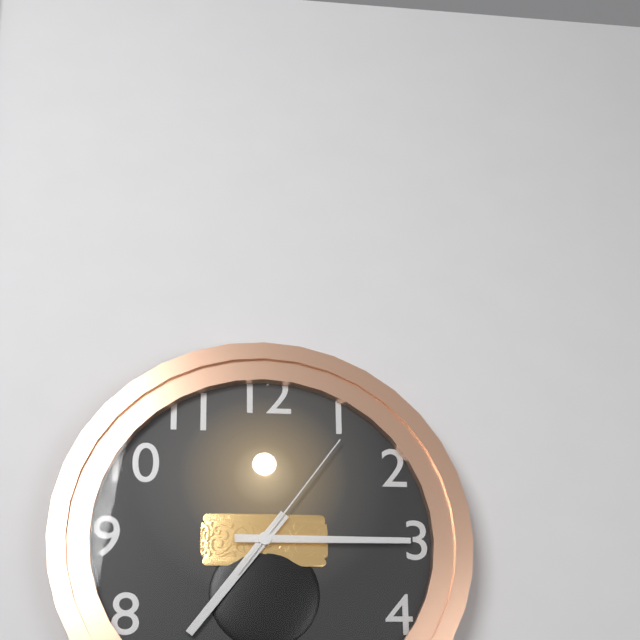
7:15:06
